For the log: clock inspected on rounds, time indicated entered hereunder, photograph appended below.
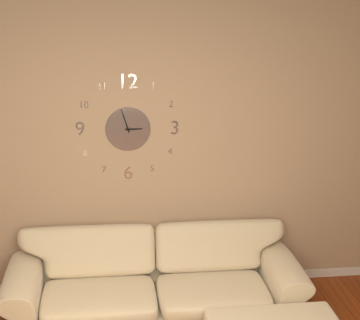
2:57
